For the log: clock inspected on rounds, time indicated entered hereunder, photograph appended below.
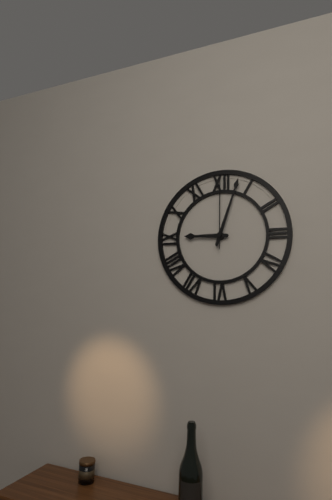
9:03:00
